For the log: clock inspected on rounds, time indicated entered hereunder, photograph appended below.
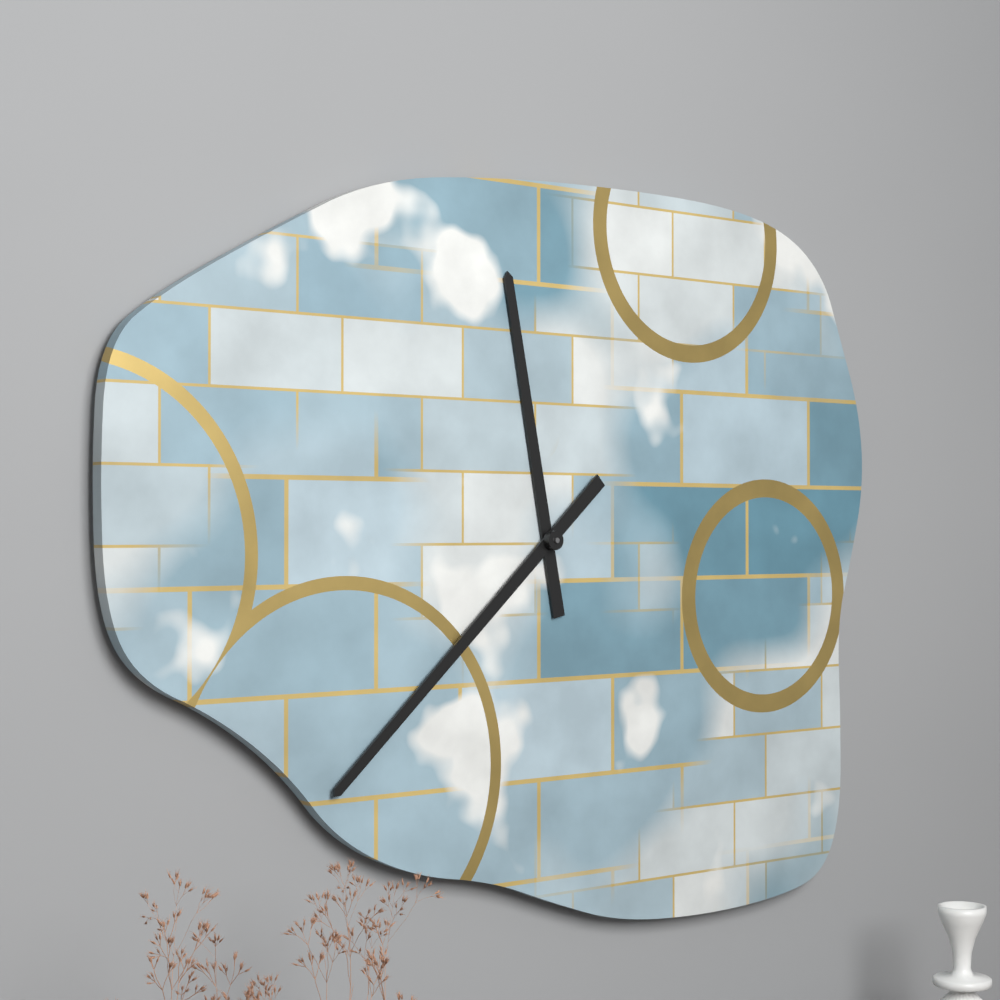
11:38
